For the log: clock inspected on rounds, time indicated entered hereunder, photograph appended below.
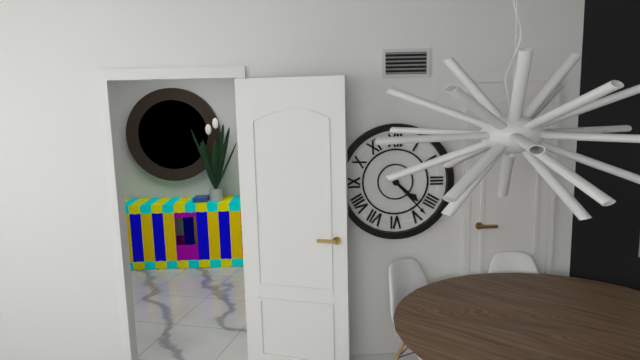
4:23
